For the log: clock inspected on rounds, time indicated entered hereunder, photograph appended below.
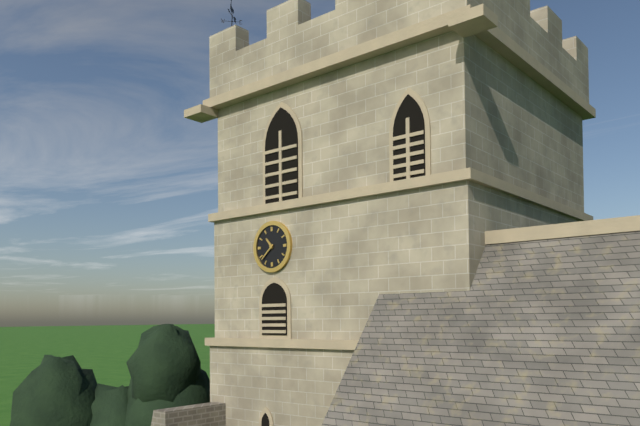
10:38
